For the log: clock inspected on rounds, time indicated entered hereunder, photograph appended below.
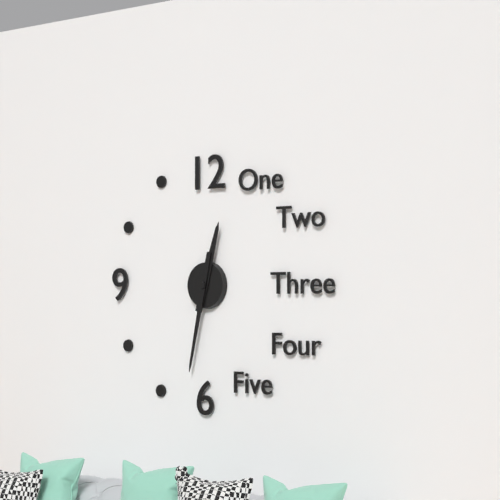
12:32
